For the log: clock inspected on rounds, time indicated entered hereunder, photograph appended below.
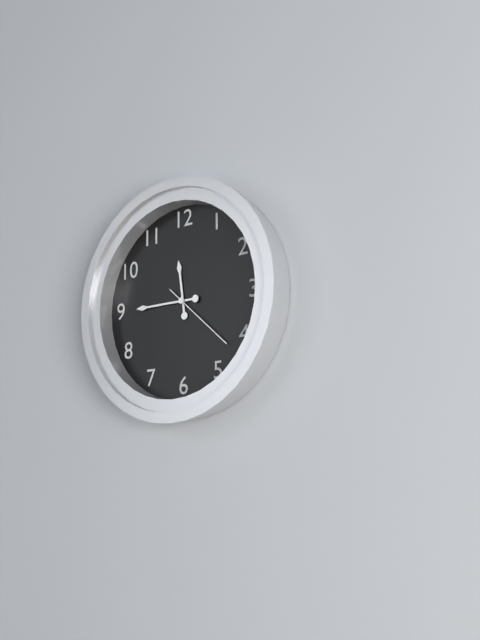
11:45:22
